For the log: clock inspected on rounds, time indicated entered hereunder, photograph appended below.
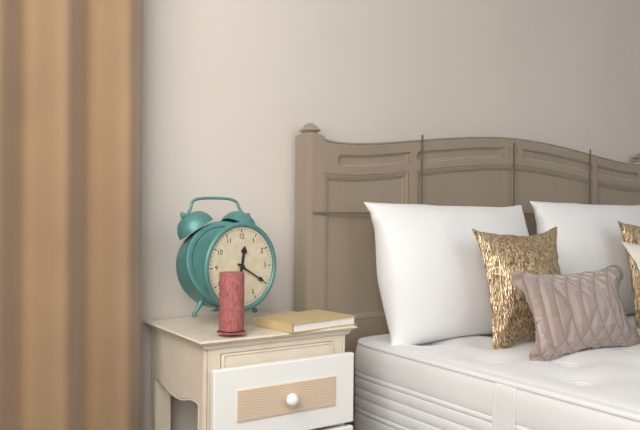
12:20
